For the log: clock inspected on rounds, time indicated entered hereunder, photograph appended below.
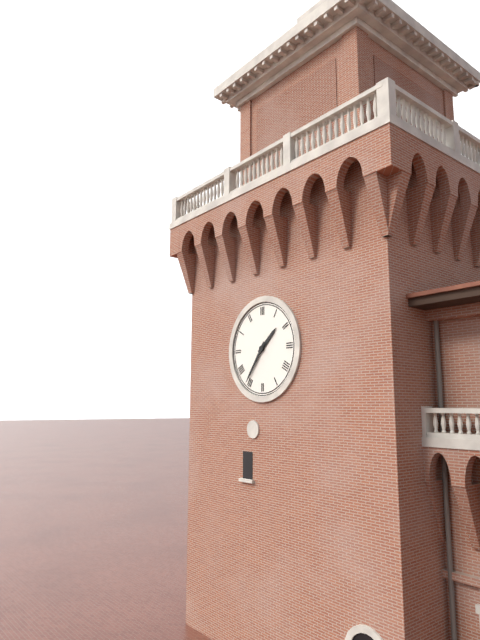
1:36
